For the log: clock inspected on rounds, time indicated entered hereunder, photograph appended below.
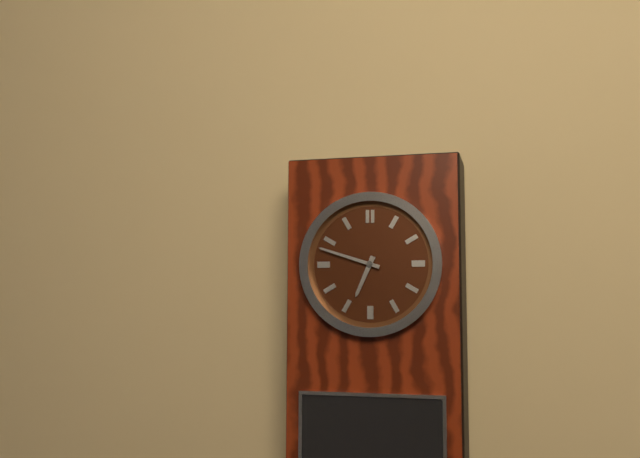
6:48
